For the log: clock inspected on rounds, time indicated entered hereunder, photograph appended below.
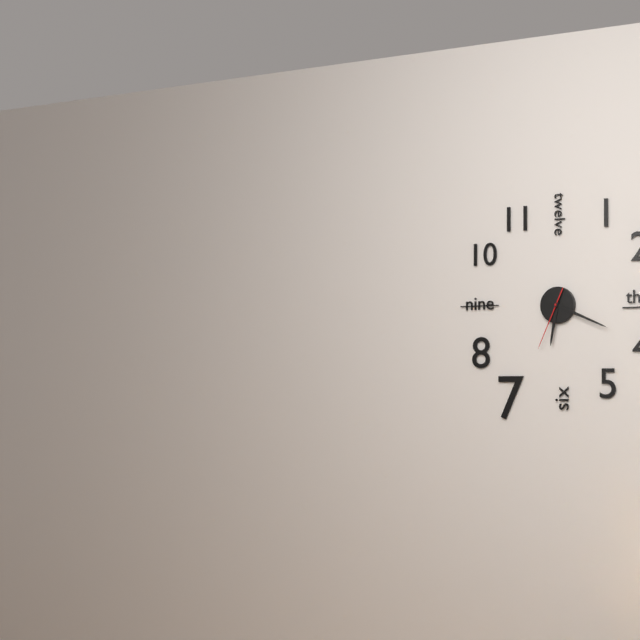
6:19:34
